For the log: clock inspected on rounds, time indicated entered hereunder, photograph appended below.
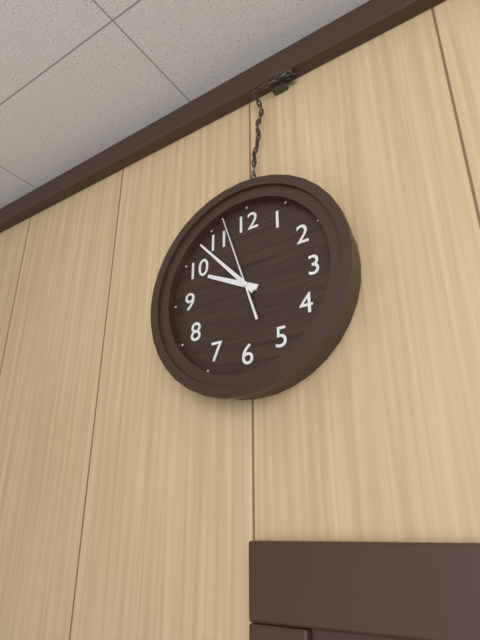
9:53:57
